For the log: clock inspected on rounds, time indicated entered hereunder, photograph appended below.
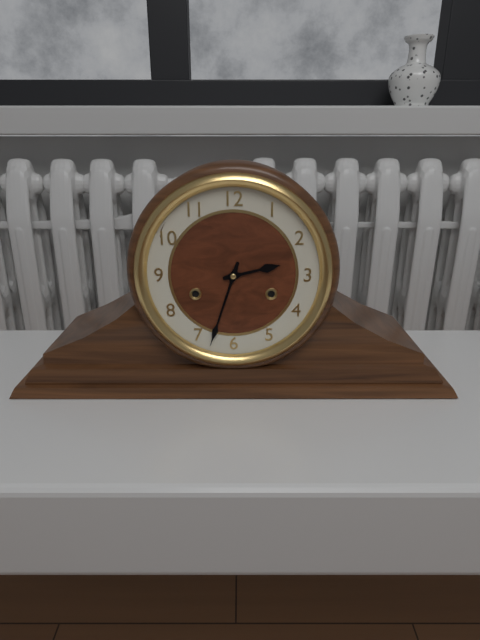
2:33
